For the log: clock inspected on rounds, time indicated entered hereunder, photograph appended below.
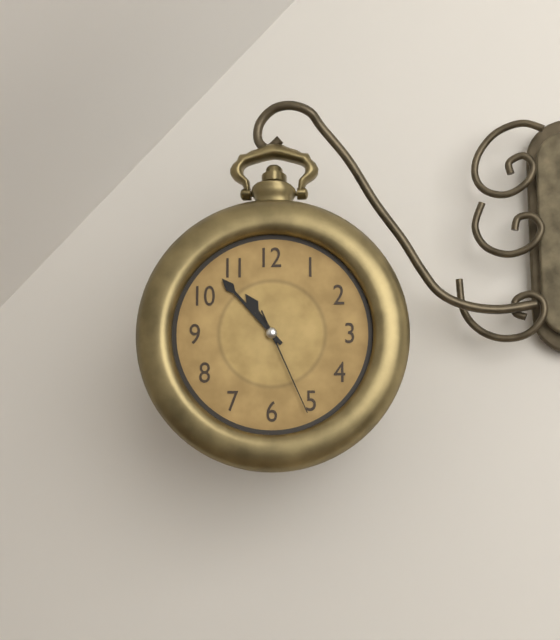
10:53:26
